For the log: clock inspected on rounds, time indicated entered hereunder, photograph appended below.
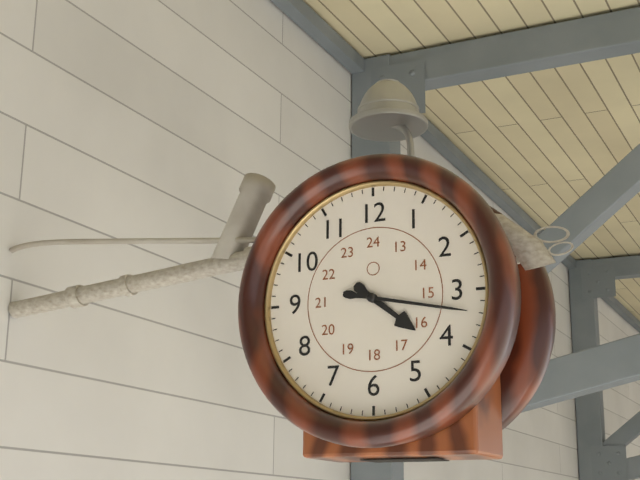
4:17
